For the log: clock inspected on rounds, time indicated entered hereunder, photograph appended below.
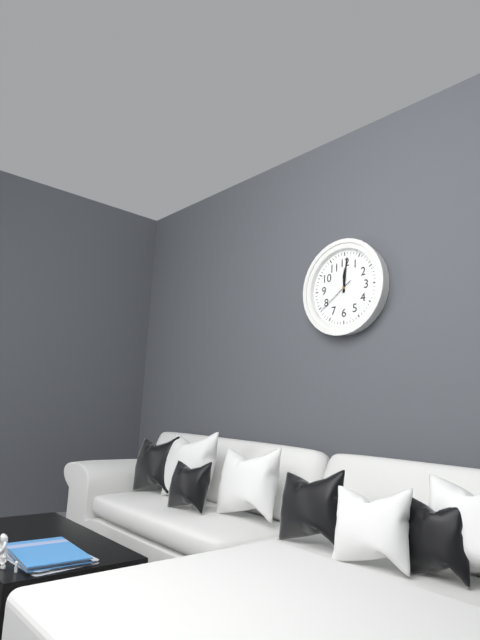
12:01
